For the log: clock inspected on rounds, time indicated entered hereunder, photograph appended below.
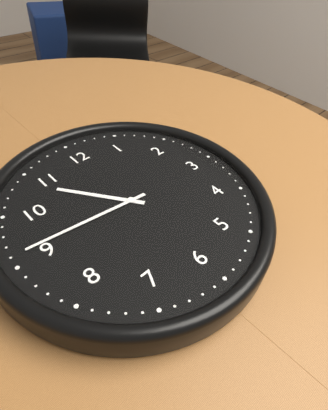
10:46
